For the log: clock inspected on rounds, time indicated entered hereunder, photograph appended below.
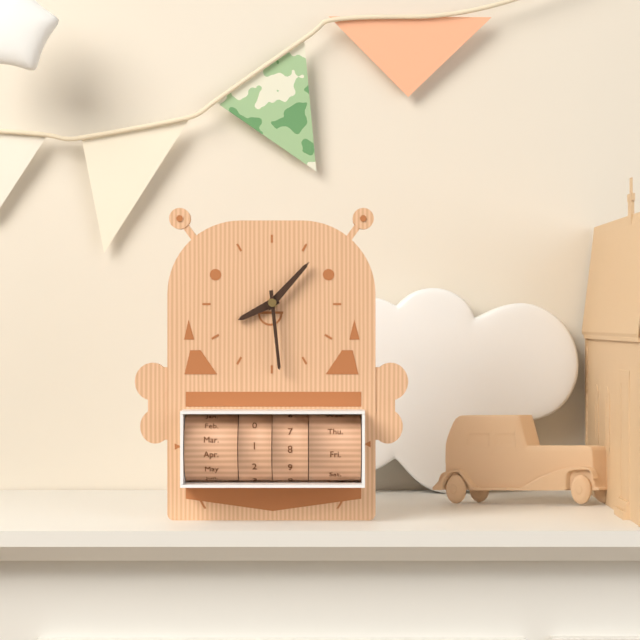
8:07:29
